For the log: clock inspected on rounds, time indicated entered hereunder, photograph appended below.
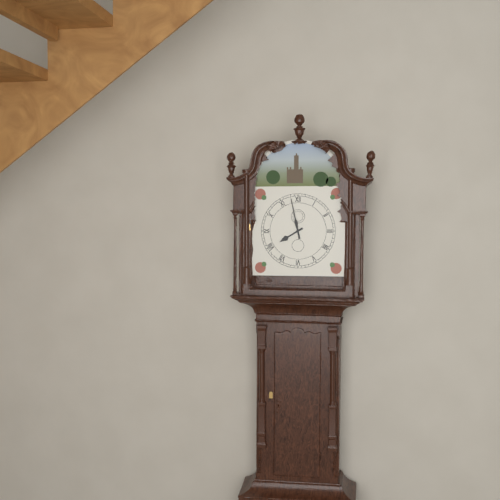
7:58
